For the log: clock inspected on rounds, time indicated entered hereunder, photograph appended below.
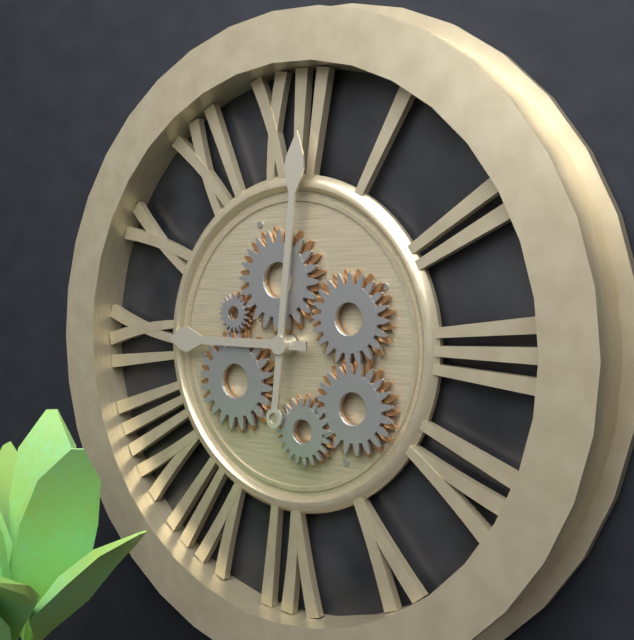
9:01
